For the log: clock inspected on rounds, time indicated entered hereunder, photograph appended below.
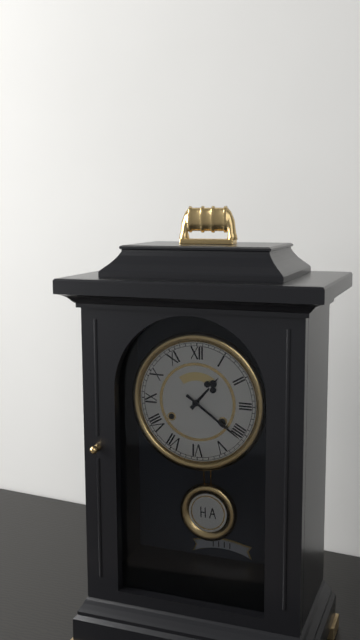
1:21
